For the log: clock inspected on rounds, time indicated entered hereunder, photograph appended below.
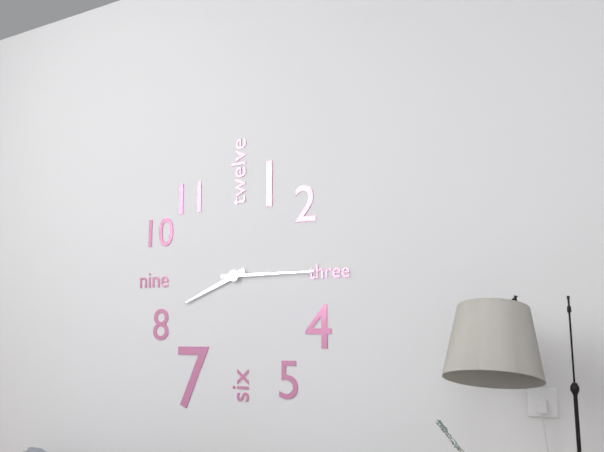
8:15
